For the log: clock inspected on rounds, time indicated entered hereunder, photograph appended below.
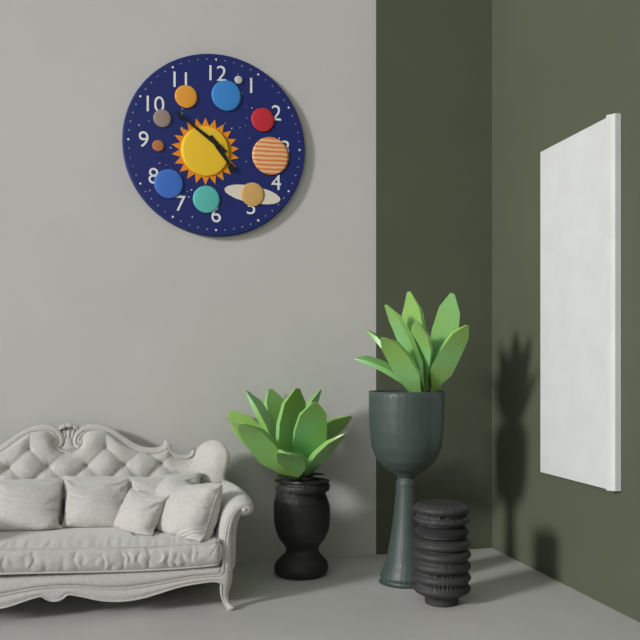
4:51
